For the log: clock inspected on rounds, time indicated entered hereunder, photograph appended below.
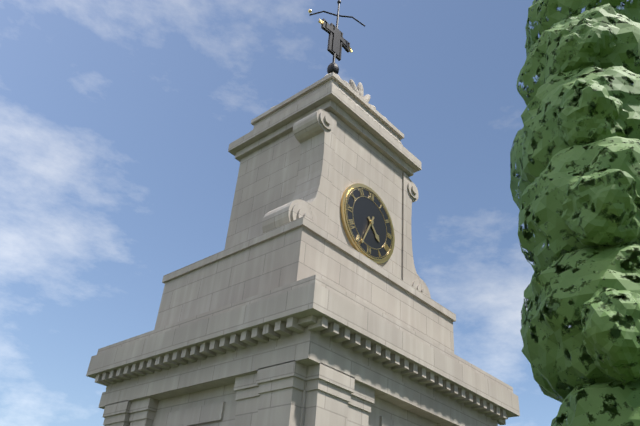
4:34
